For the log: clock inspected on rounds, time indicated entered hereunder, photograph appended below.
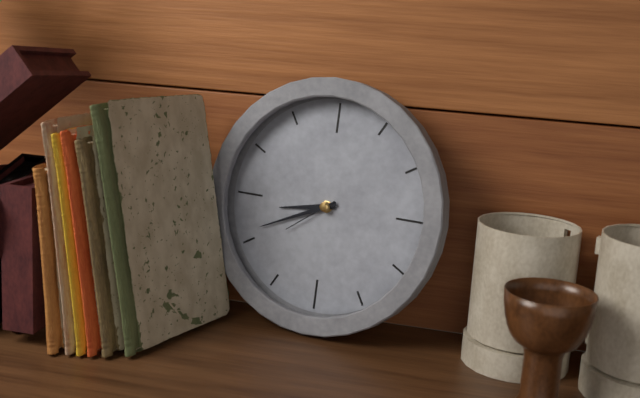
8:41:39
